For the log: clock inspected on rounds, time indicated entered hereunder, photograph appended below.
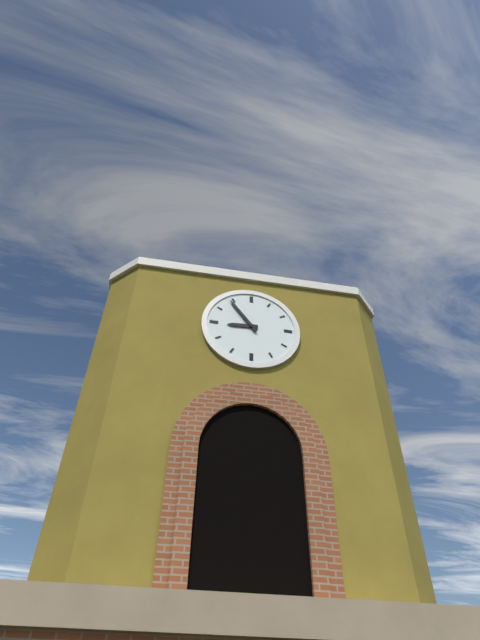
8:54
